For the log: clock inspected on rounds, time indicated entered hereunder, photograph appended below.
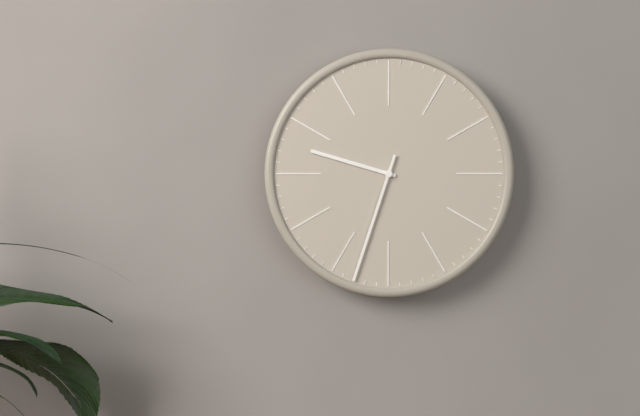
9:33
